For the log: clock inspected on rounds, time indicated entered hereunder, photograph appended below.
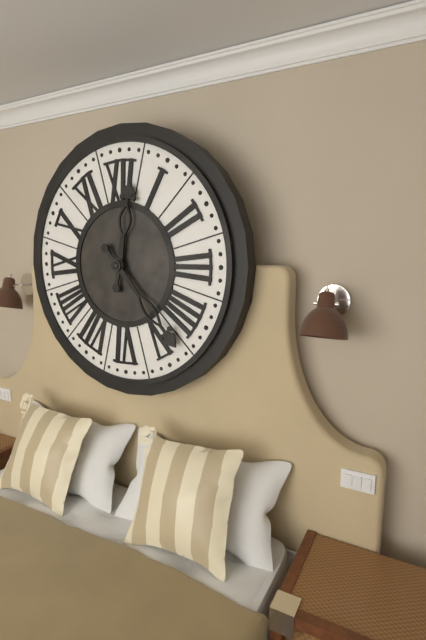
12:23
